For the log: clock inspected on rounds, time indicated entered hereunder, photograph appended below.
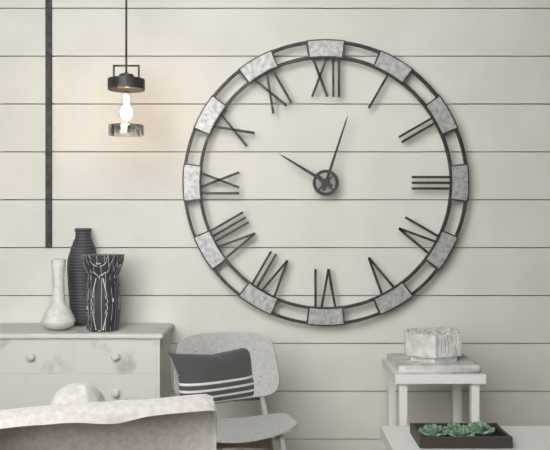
10:03
